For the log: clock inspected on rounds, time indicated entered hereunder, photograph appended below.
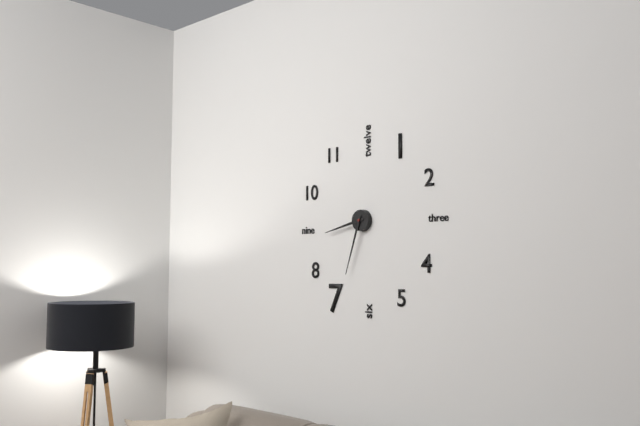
8:33
